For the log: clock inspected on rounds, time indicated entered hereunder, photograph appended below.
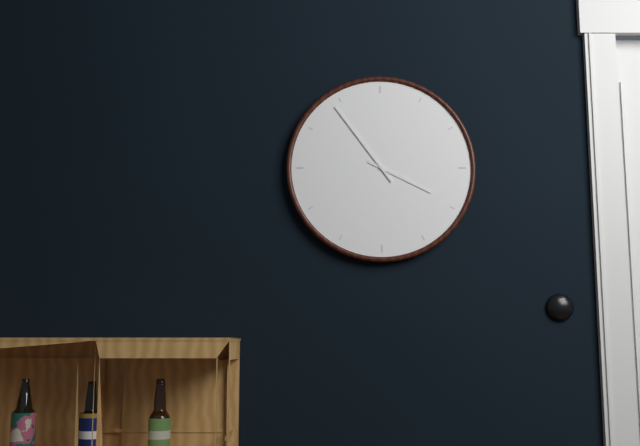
3:54
